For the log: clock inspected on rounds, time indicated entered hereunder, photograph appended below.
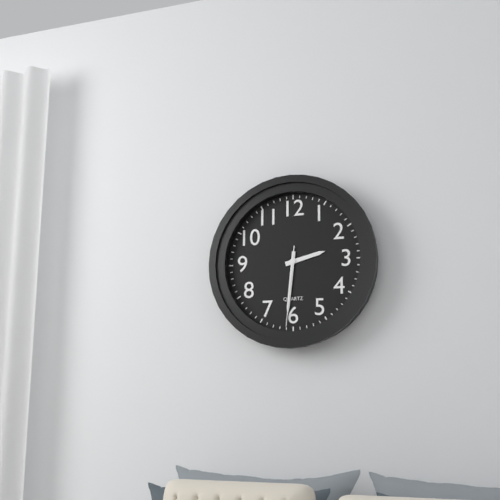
2:31:31
